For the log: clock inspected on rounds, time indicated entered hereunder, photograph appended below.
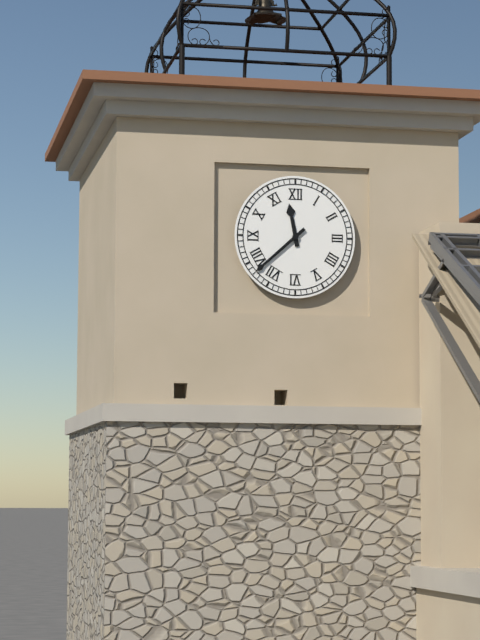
11:38
